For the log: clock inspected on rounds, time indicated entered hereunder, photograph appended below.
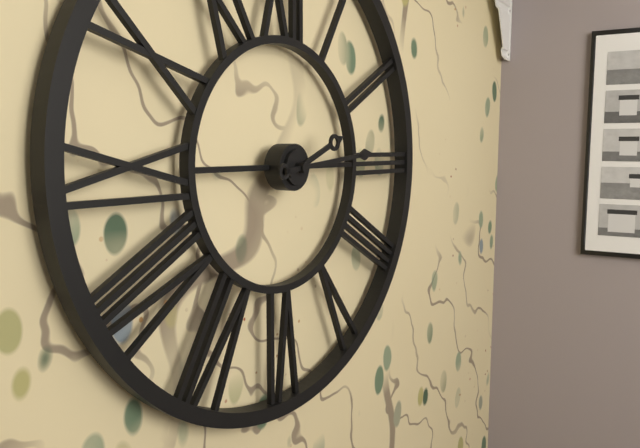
2:14
